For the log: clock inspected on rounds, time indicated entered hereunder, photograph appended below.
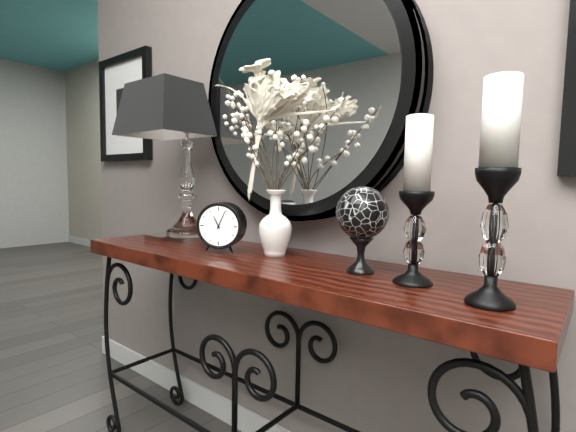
11:04
